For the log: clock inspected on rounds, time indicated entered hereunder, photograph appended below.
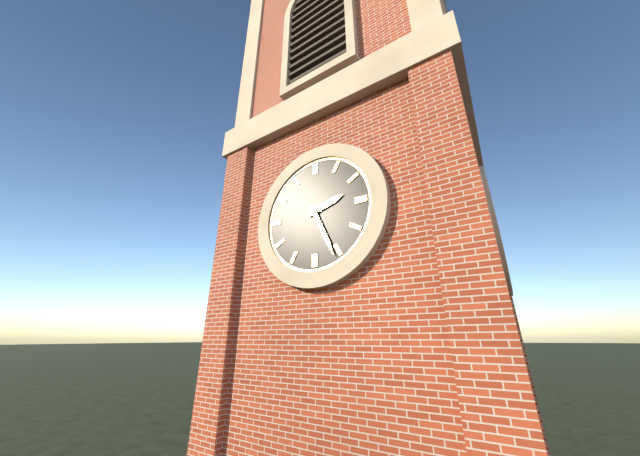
2:26
